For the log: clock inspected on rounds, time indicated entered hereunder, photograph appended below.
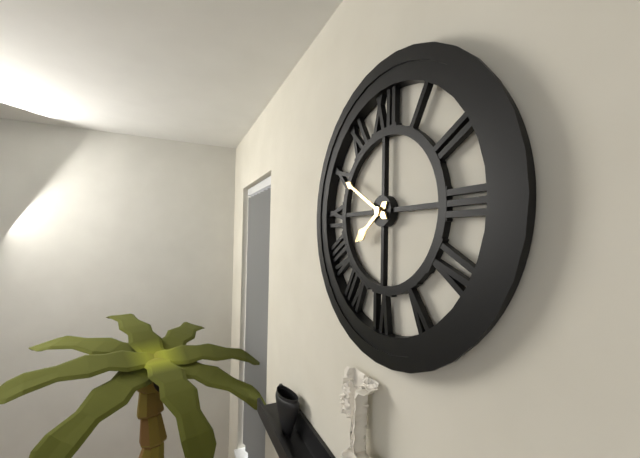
7:50
